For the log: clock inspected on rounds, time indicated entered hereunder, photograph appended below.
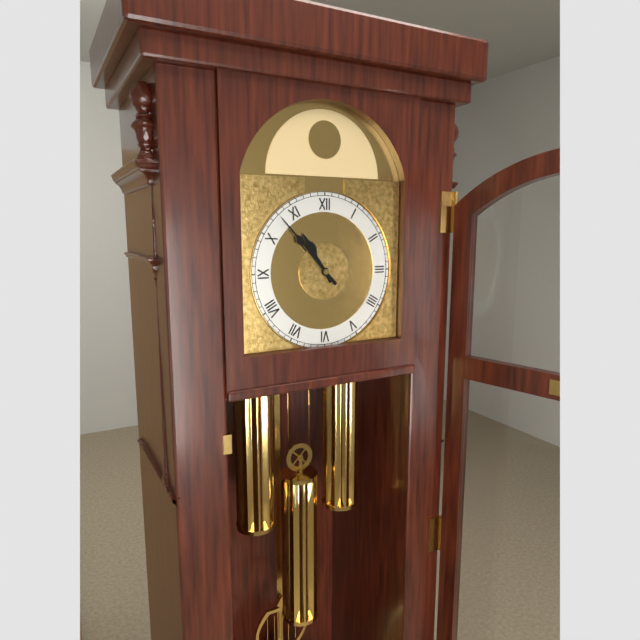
10:53
